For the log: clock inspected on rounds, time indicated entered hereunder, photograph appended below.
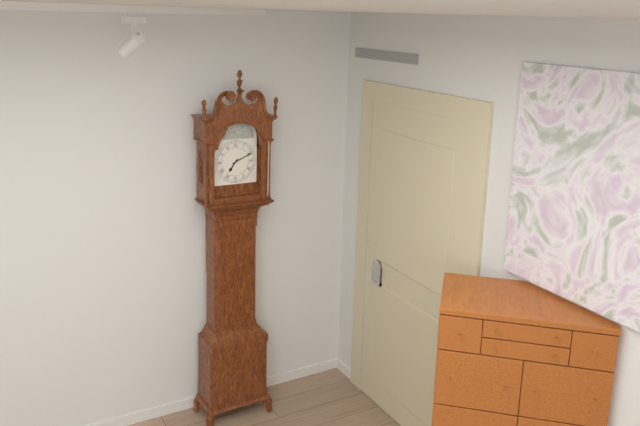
7:11
